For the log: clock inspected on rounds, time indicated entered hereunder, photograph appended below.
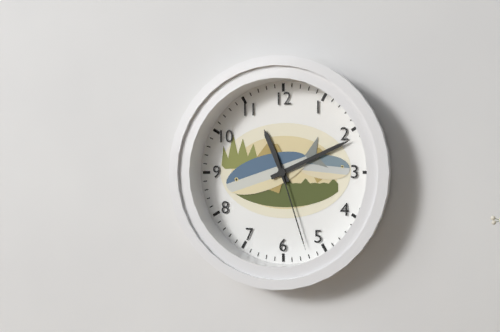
11:11:27
